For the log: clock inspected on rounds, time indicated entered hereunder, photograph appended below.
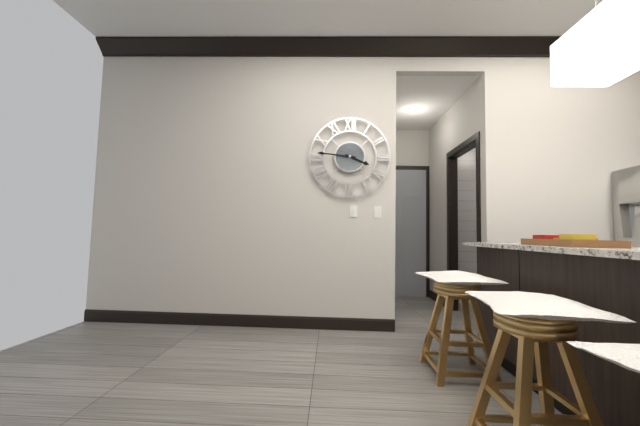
3:46
